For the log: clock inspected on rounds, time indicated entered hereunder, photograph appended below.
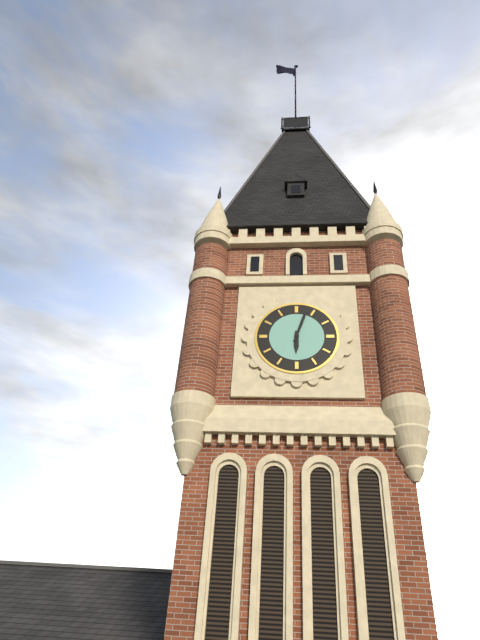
6:03
